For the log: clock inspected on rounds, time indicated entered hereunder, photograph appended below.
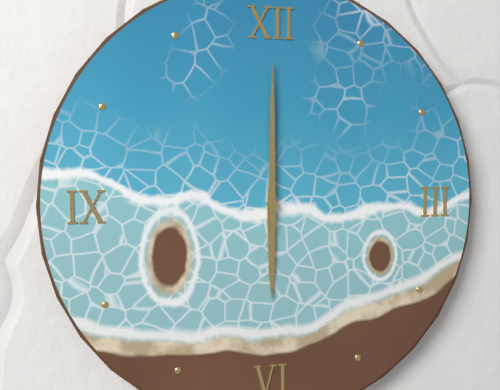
6:00
